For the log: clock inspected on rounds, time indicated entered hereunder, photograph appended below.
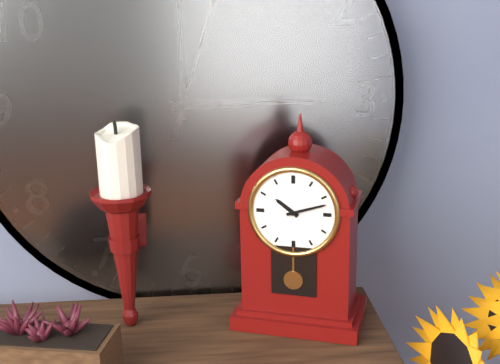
10:12
